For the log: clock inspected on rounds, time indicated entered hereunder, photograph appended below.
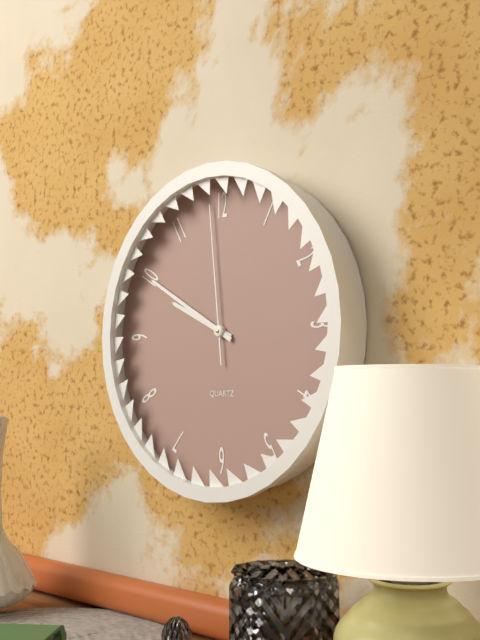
9:50:59
